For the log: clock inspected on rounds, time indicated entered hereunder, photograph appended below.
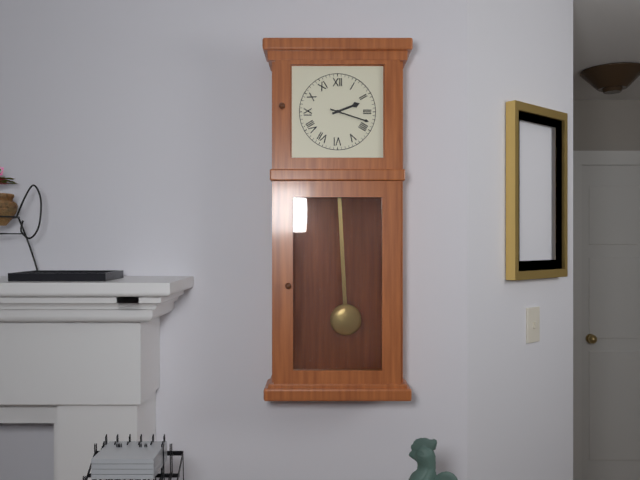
2:18
